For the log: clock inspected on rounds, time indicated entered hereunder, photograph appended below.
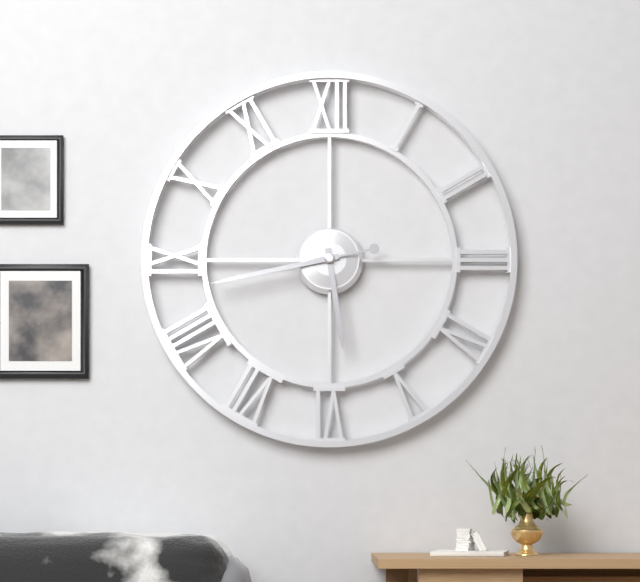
5:43
